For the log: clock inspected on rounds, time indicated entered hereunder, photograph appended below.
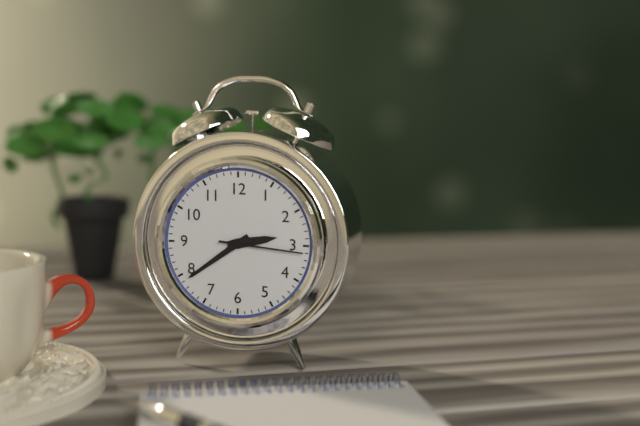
2:39:16
